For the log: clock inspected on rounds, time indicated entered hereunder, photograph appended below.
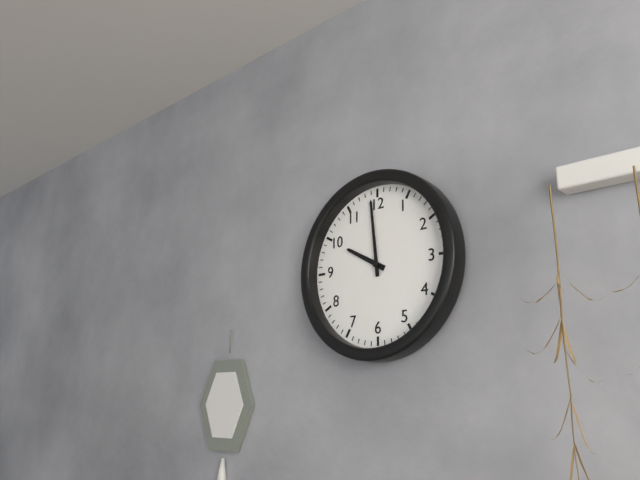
9:59
